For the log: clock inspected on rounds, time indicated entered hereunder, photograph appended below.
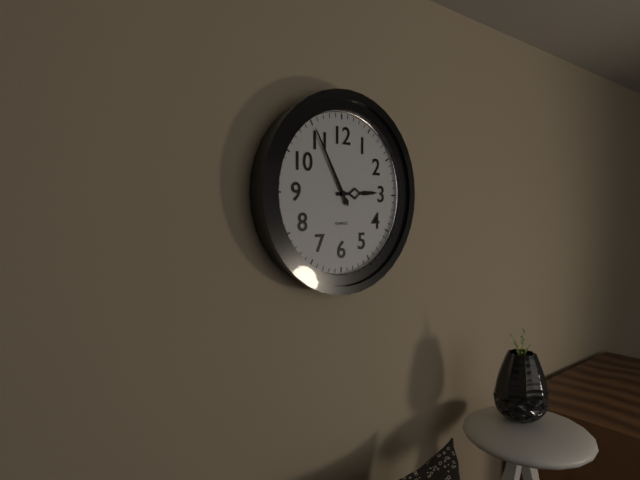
2:55
